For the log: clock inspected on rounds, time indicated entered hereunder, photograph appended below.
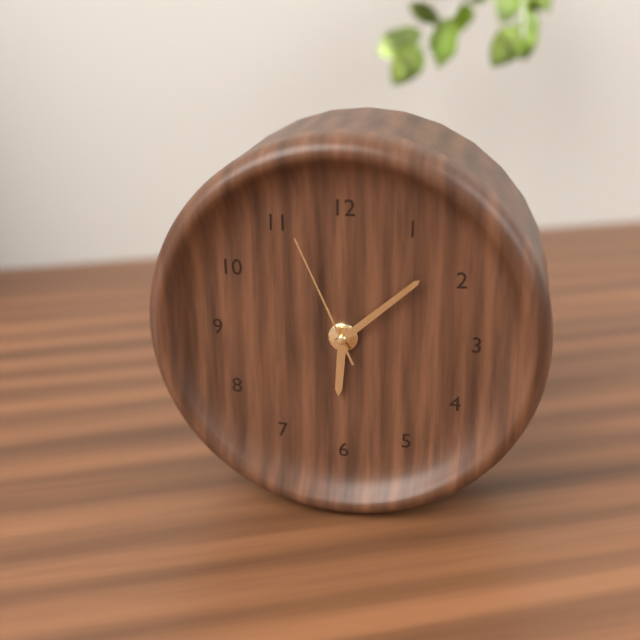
6:08:56
